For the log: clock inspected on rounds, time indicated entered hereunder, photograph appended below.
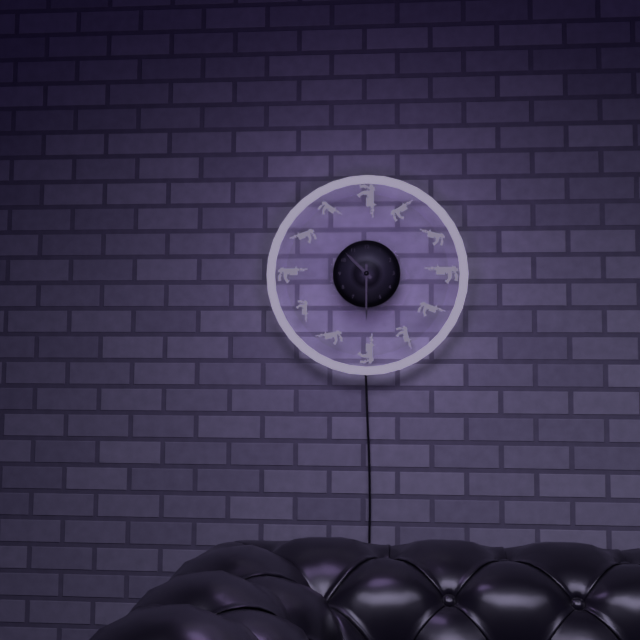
10:30
